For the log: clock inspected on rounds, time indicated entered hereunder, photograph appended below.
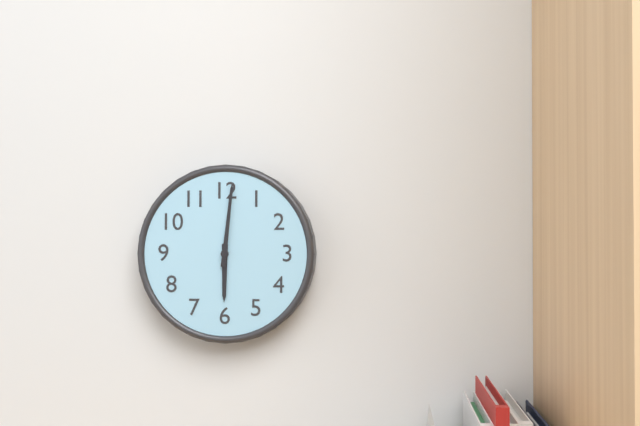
6:01
